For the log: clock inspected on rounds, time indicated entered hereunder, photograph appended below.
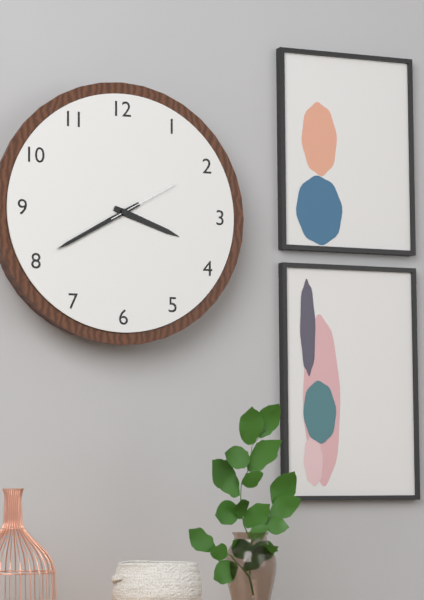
3:40:10
